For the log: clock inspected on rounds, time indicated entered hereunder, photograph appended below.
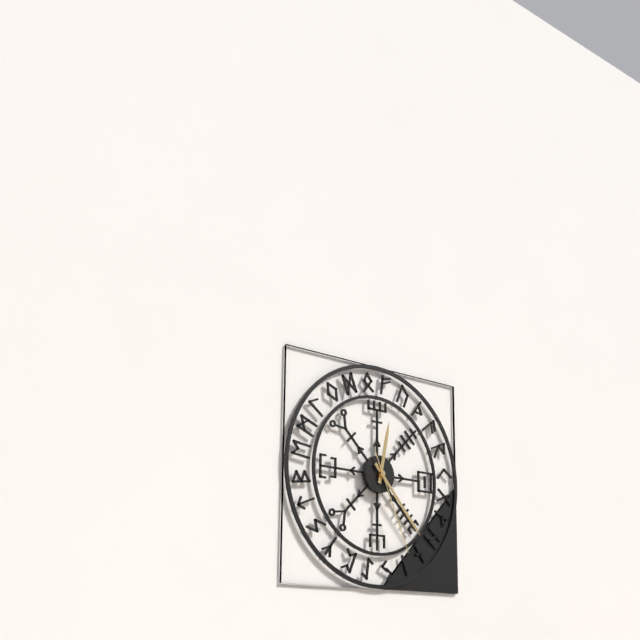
12:23:26
